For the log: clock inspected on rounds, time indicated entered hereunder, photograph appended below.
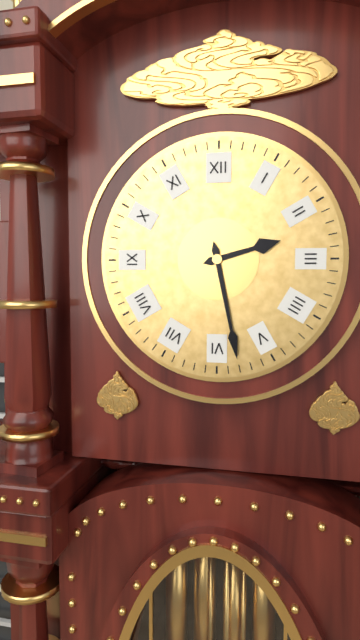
2:28
